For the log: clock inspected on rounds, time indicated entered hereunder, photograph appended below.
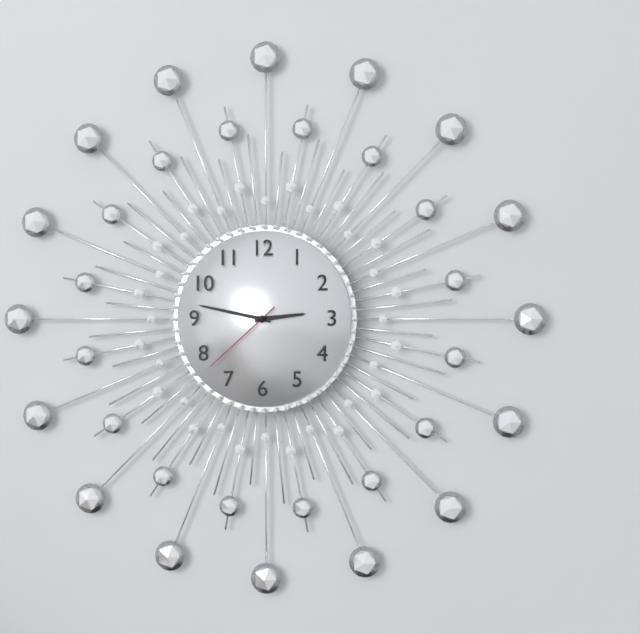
2:47:38
